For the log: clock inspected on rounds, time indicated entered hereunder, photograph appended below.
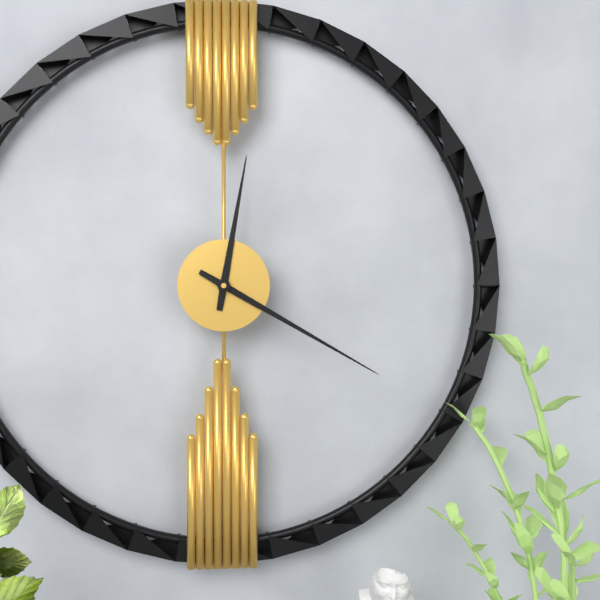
12:20
